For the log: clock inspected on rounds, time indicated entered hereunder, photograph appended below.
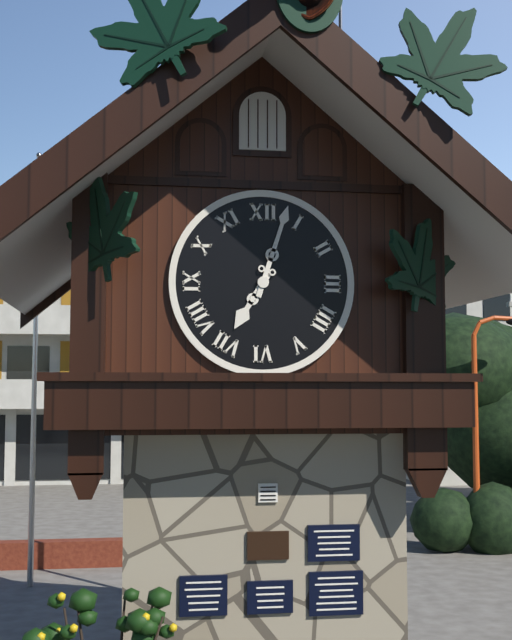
7:03
